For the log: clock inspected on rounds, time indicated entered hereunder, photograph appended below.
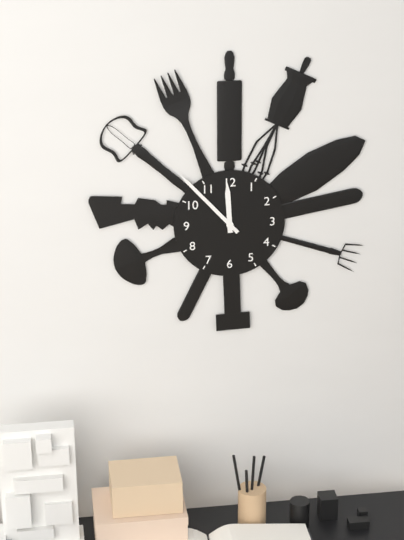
11:53
